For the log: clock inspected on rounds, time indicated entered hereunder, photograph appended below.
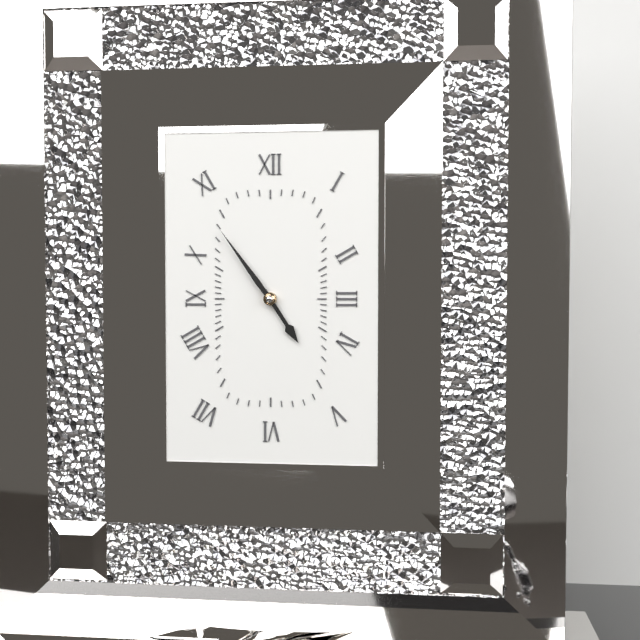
4:54
